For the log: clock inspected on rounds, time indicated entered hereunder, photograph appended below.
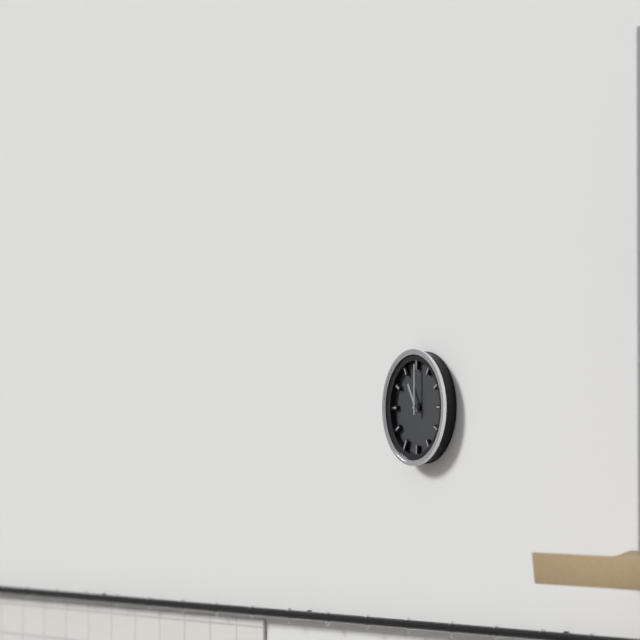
11:00
